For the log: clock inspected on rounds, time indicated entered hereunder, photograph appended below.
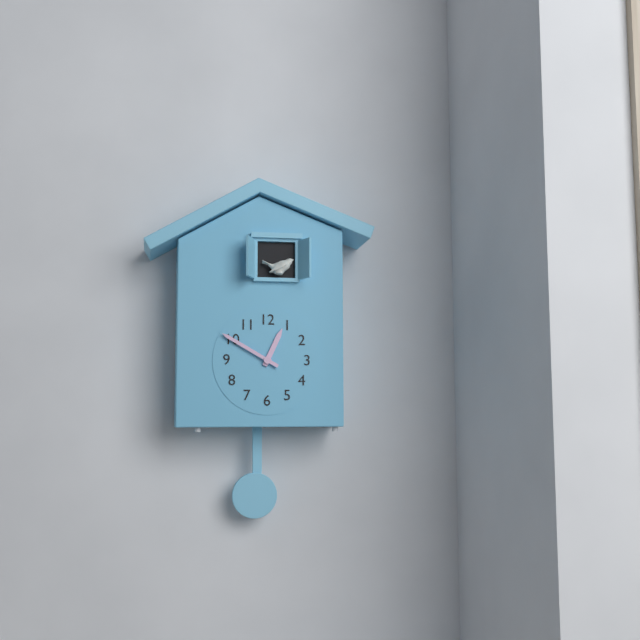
12:50
